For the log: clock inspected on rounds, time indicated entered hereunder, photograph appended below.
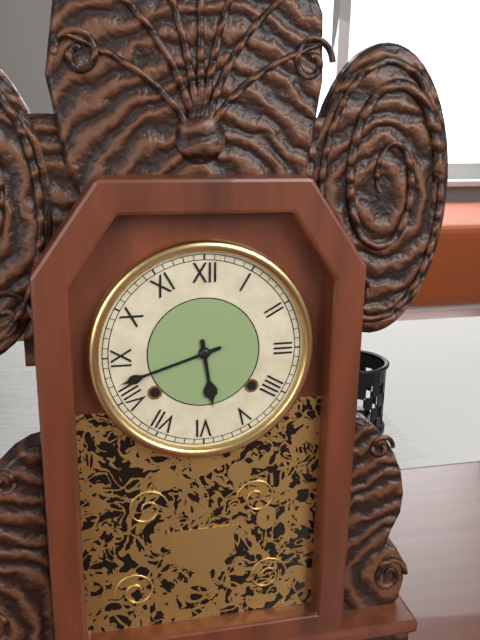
5:42
